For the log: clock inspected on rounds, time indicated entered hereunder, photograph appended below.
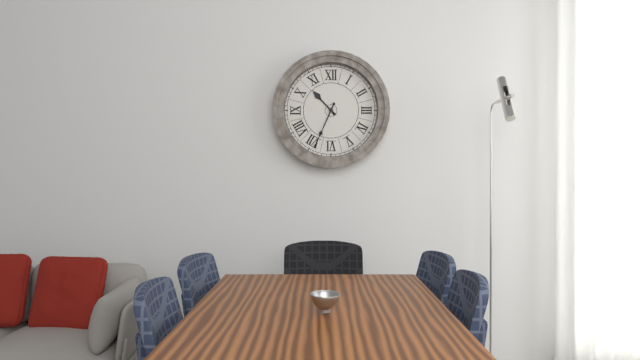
10:34
